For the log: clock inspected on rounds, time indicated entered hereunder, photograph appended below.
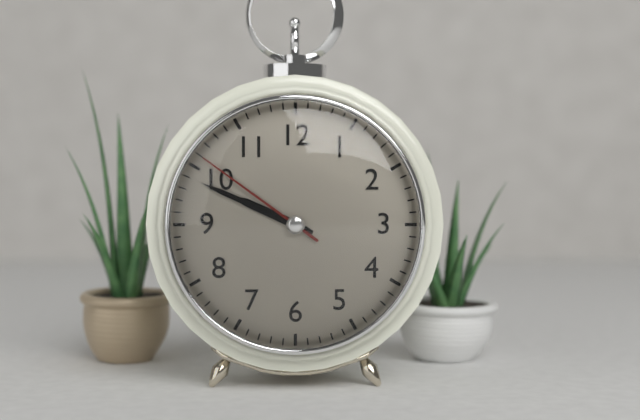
9:49:51
